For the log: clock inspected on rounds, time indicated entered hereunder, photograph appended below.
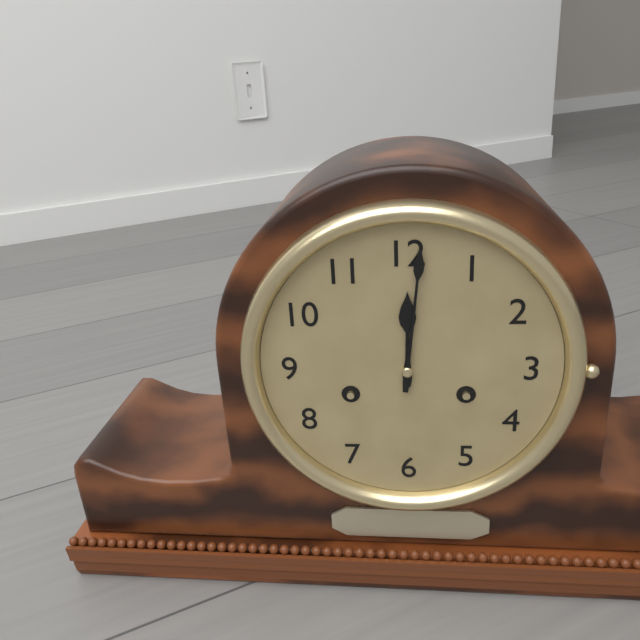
12:01
